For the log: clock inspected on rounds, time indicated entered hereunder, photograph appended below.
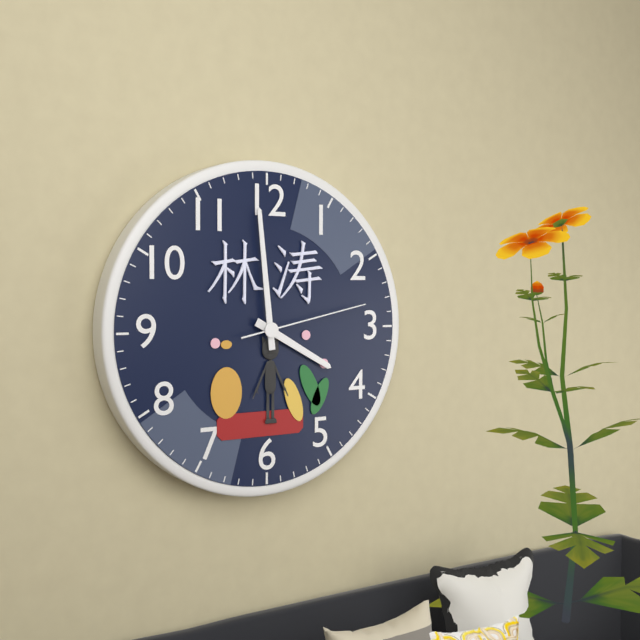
3:59:13
